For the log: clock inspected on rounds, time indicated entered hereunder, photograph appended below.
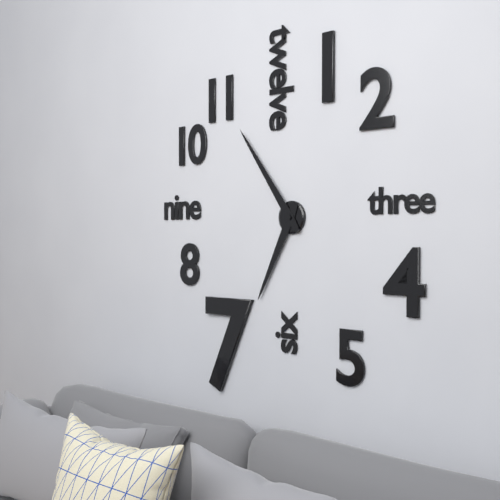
6:54
